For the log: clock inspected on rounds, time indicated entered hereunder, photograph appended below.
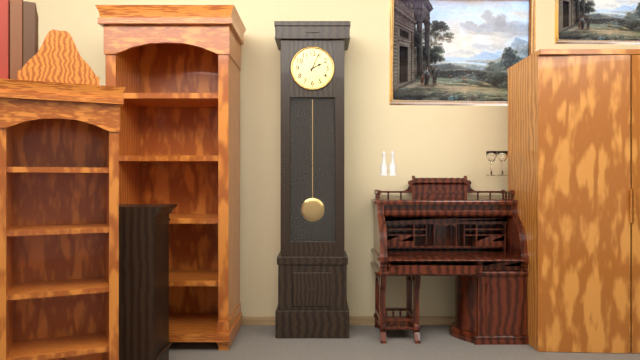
2:04
